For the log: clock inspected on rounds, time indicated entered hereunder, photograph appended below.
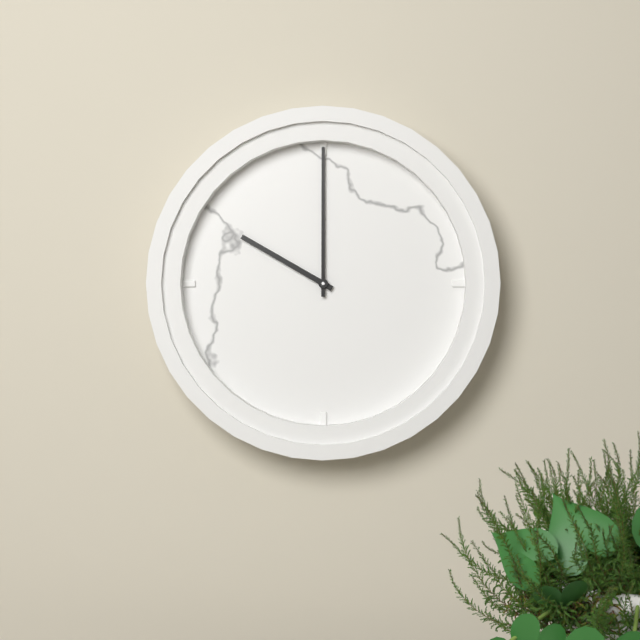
10:00
